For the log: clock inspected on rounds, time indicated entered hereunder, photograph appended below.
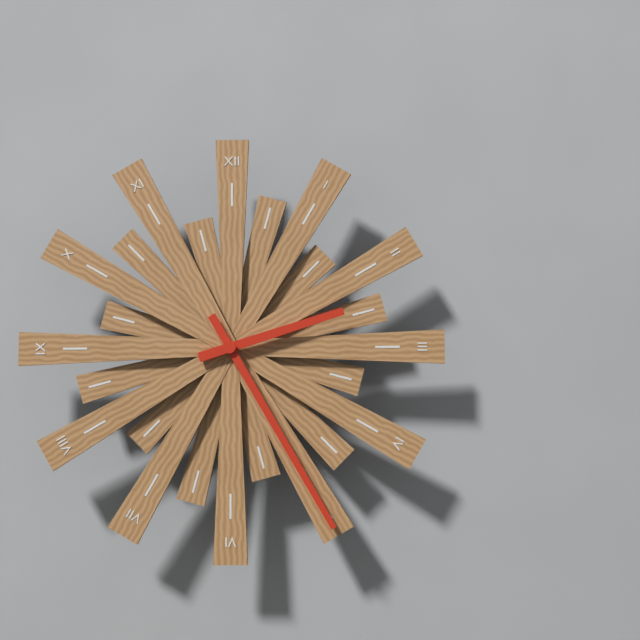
2:25
